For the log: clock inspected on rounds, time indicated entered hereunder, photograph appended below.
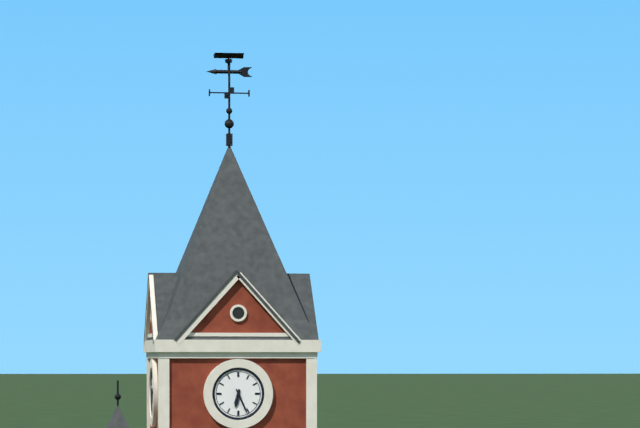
6:26
